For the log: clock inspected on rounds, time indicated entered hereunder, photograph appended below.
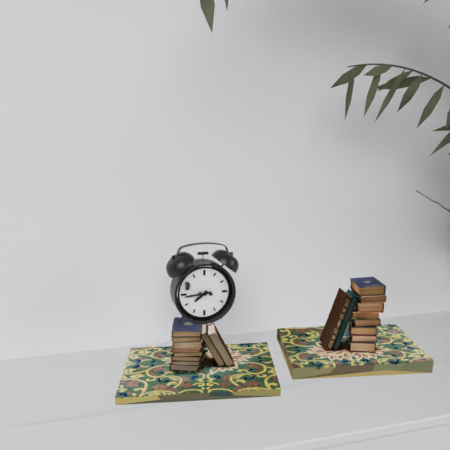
7:44
